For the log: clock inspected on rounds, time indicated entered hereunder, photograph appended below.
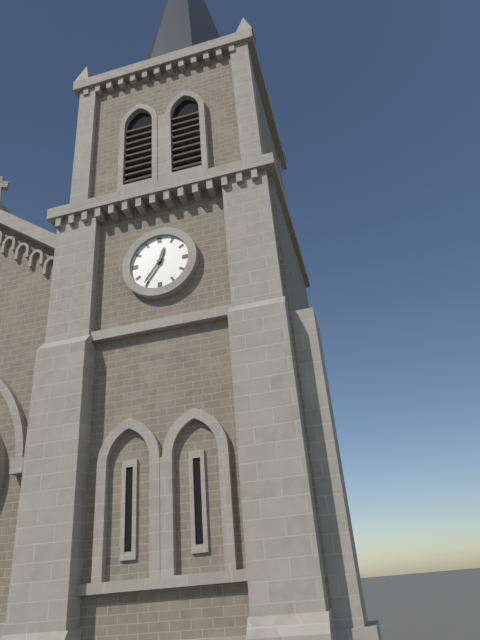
12:36
